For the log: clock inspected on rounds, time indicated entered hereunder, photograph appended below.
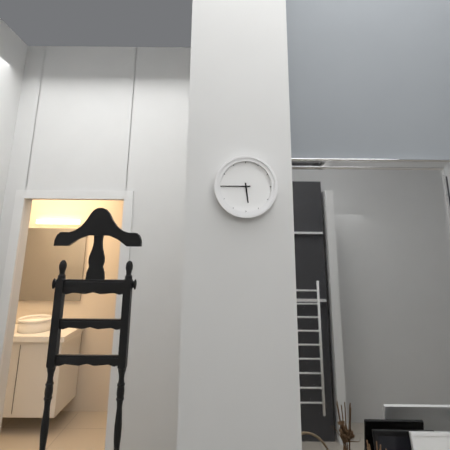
5:45
